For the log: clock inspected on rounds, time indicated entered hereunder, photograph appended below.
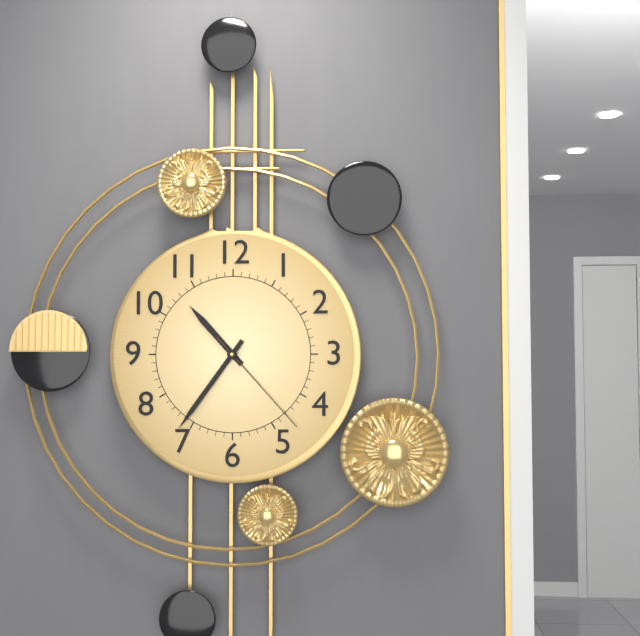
10:36:23
